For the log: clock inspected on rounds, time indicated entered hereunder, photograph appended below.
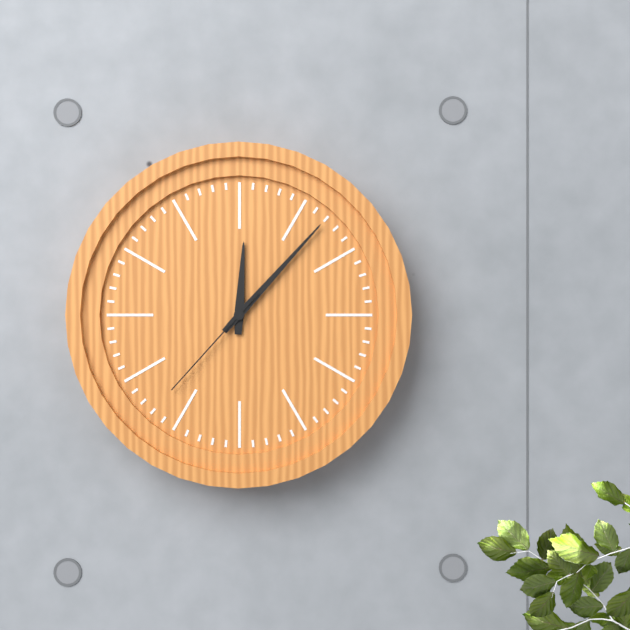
12:07:37
